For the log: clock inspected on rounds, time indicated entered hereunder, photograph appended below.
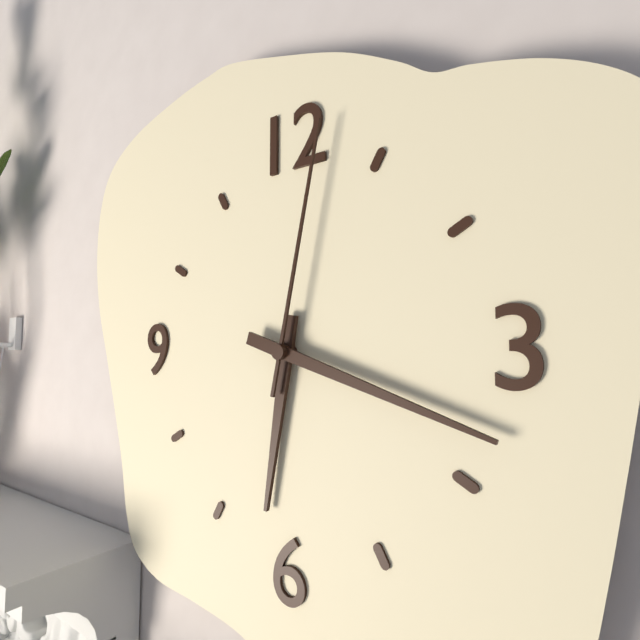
6:18:02
